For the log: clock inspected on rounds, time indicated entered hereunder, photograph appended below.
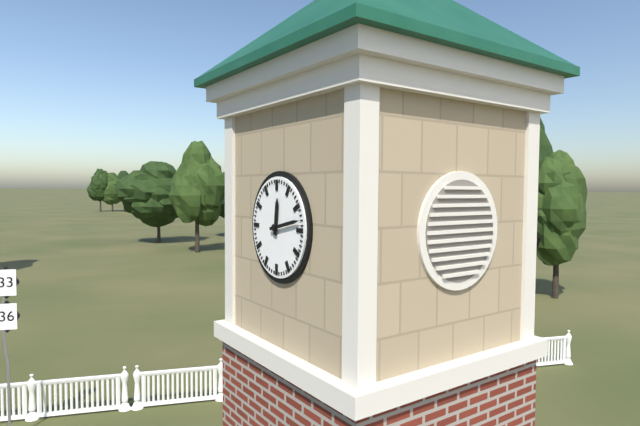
12:13
